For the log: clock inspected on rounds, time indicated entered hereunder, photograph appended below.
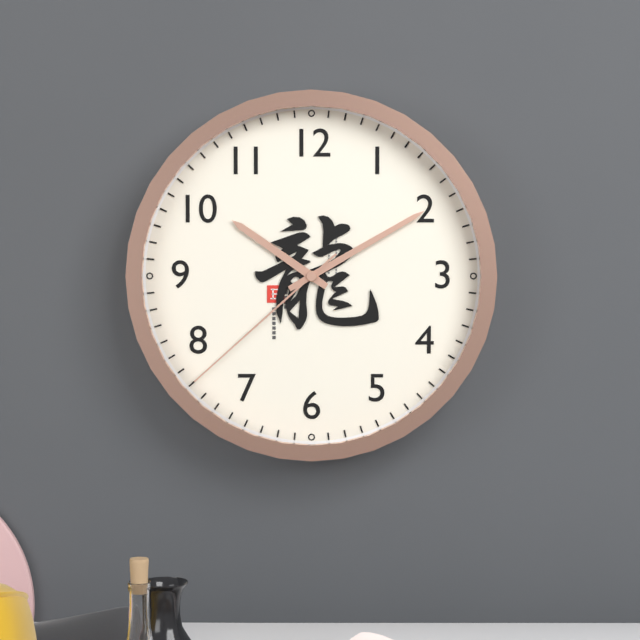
10:10:38
